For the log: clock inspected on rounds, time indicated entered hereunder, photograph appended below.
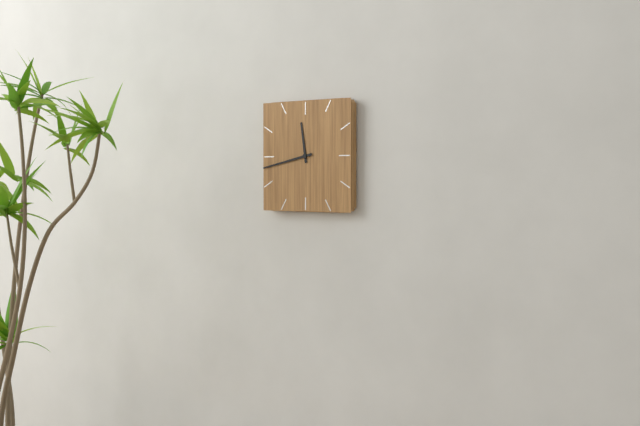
11:43
